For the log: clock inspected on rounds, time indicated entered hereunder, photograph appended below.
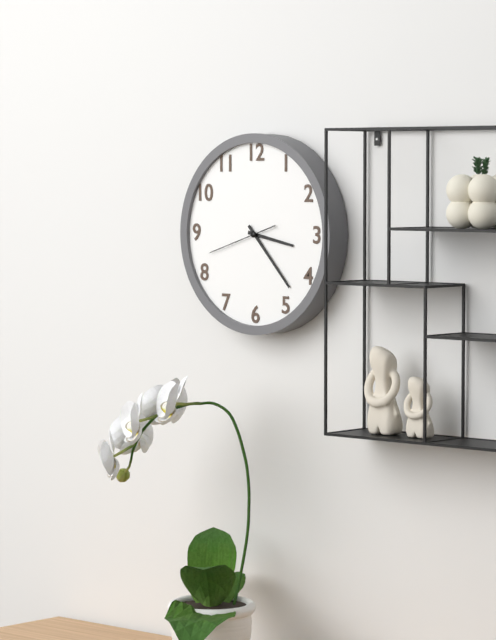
3:23:42
